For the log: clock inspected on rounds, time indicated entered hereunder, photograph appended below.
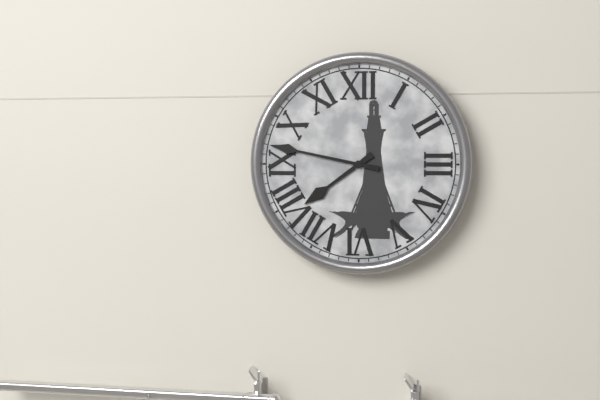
7:47
